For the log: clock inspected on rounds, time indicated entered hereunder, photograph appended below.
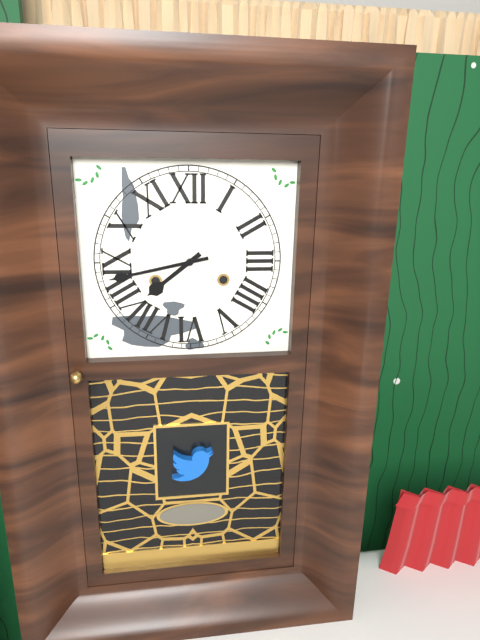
7:43
